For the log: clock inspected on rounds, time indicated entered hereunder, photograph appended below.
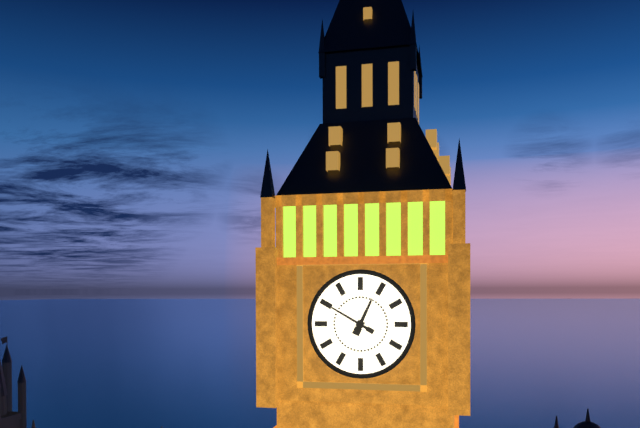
12:50
